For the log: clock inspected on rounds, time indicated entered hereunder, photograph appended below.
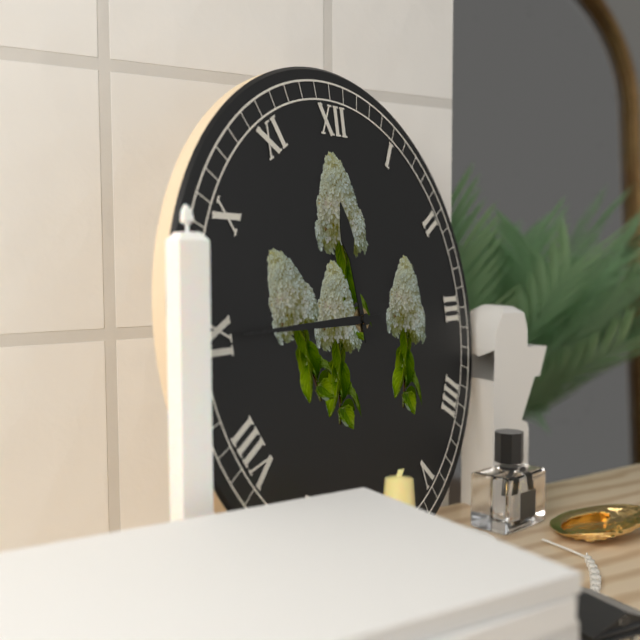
11:45
